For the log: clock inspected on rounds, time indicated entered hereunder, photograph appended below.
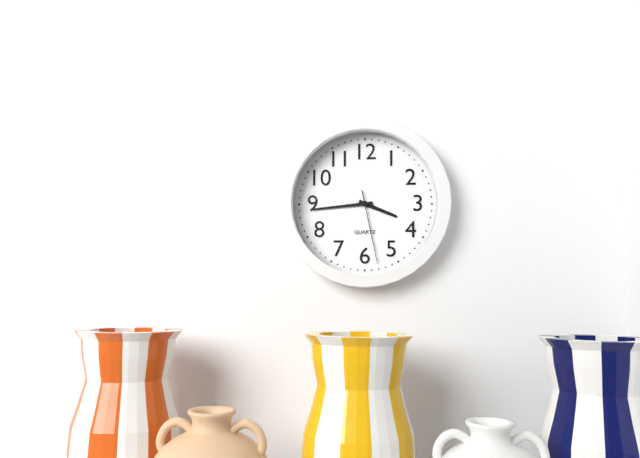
3:44:28
